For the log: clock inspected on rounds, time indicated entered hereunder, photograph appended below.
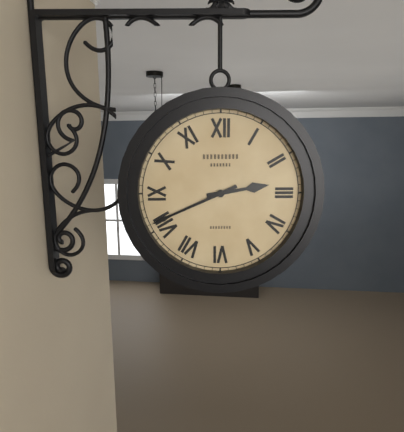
2:41
